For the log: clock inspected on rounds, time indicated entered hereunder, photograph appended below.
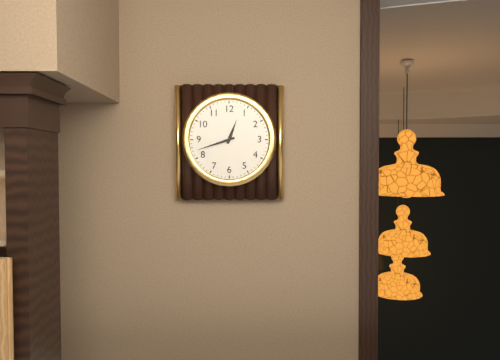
12:42
